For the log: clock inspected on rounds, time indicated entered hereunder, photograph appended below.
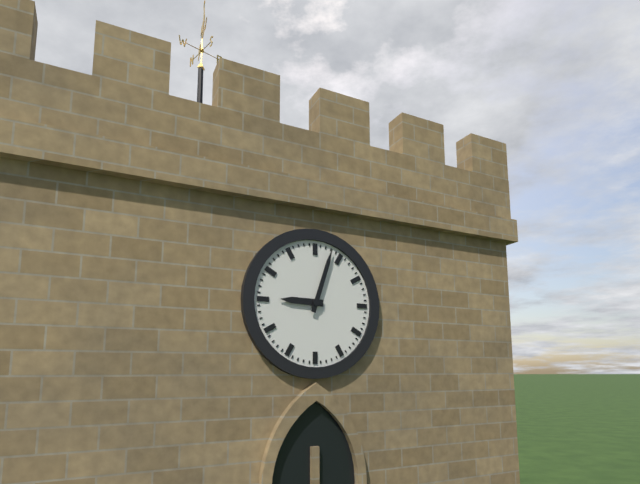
9:03
